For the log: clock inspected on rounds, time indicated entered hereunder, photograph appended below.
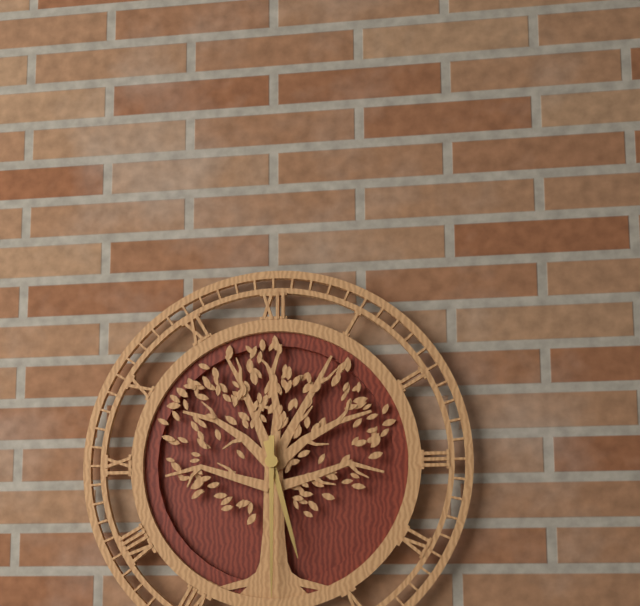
5:30
